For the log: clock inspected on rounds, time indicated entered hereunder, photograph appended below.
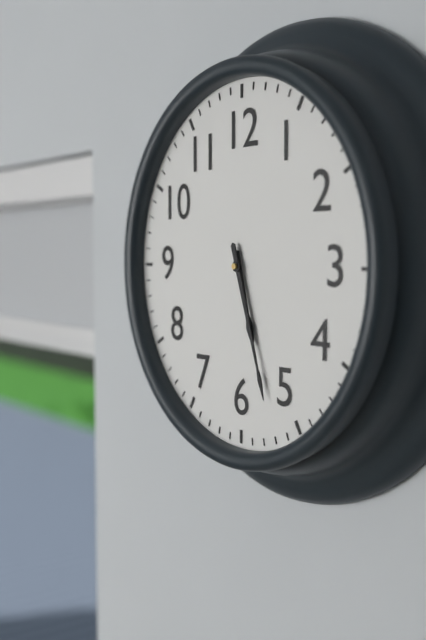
5:27
